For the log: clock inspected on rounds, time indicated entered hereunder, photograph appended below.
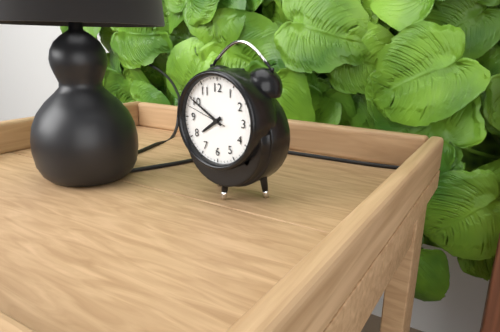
7:50
